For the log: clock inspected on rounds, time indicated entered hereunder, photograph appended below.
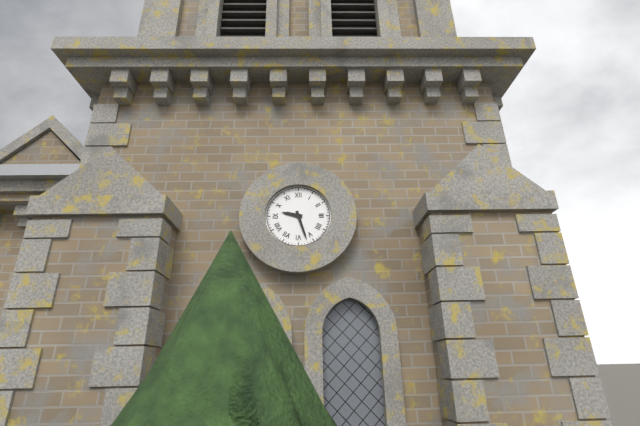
9:27
